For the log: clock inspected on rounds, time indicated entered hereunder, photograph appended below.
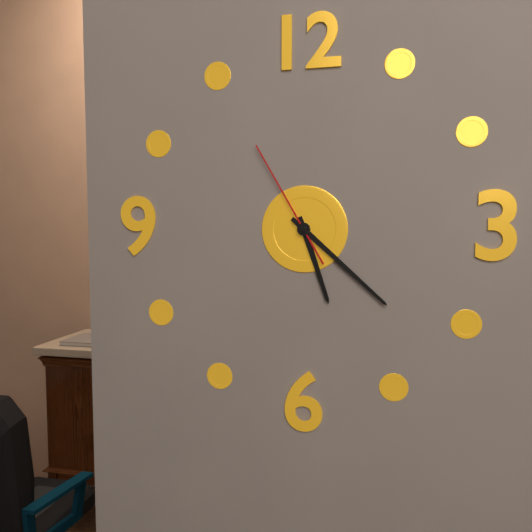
5:22:55
